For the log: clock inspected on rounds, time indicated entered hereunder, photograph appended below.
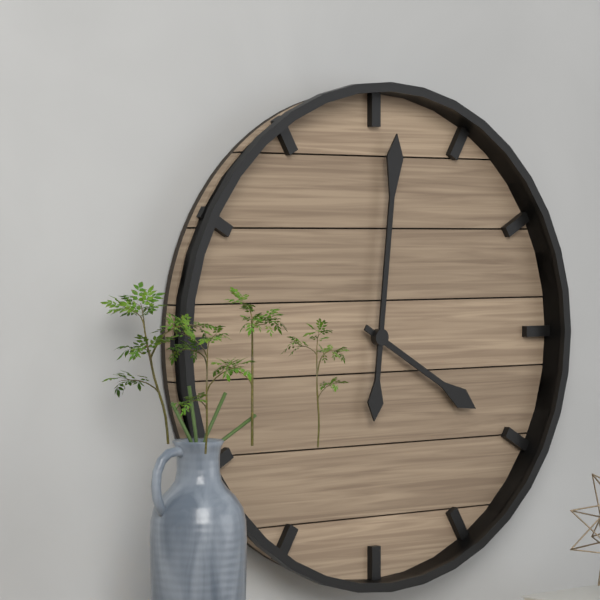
4:01
